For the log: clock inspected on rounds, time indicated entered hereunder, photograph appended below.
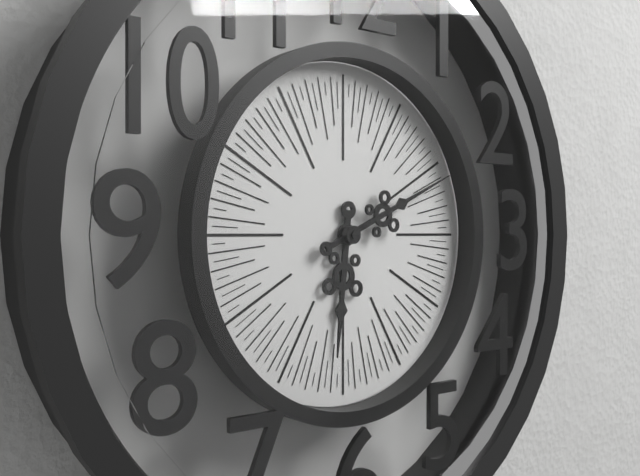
6:11
